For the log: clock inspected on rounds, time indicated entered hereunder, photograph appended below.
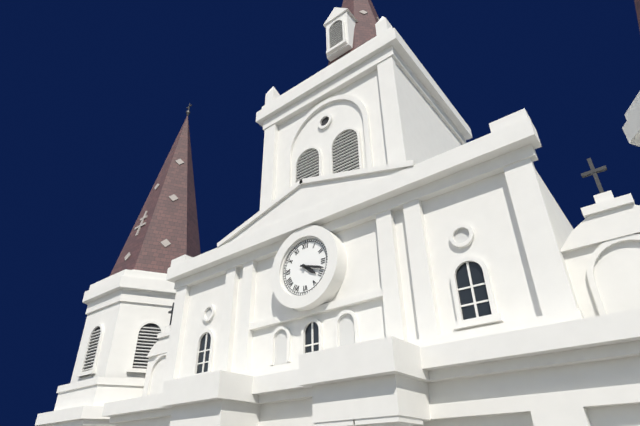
4:18
